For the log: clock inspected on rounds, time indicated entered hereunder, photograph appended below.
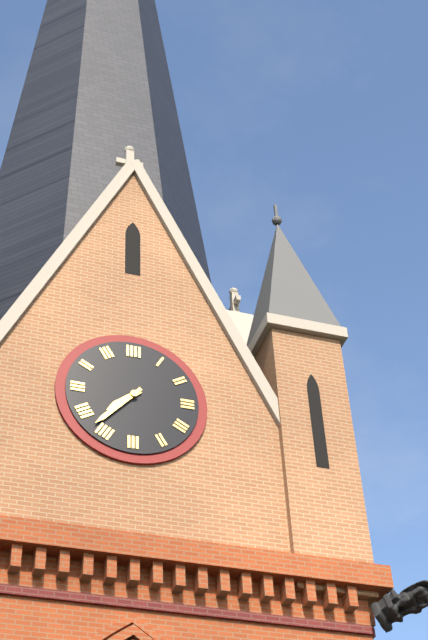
7:37
